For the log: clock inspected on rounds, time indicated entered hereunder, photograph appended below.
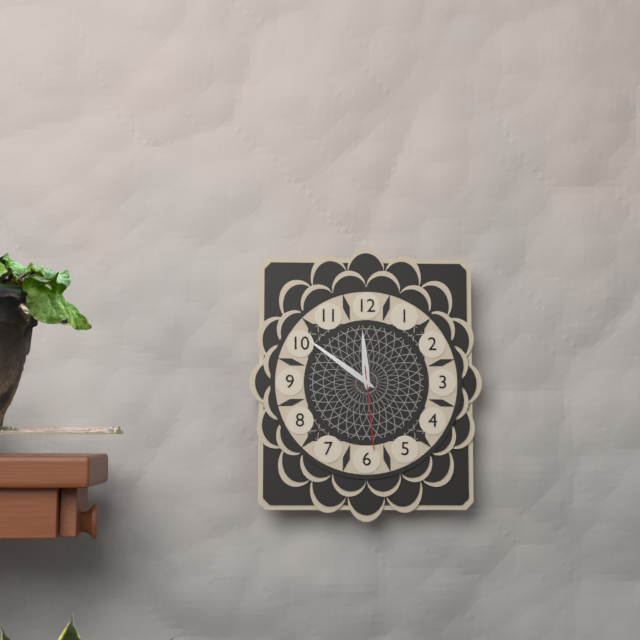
11:51:29
